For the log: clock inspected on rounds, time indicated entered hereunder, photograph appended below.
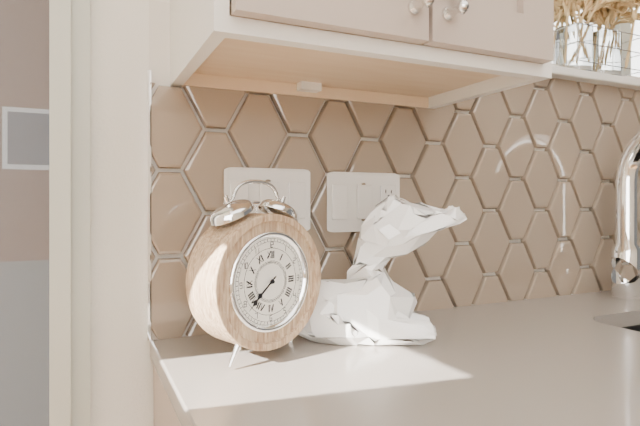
7:38
